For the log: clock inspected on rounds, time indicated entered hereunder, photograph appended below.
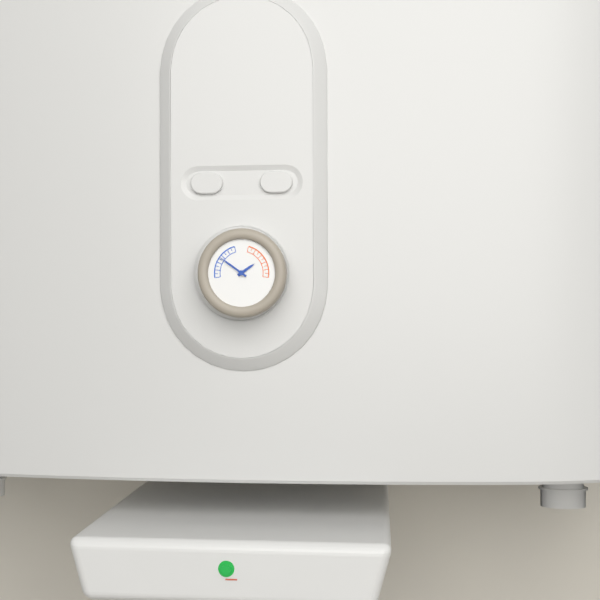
1:51
